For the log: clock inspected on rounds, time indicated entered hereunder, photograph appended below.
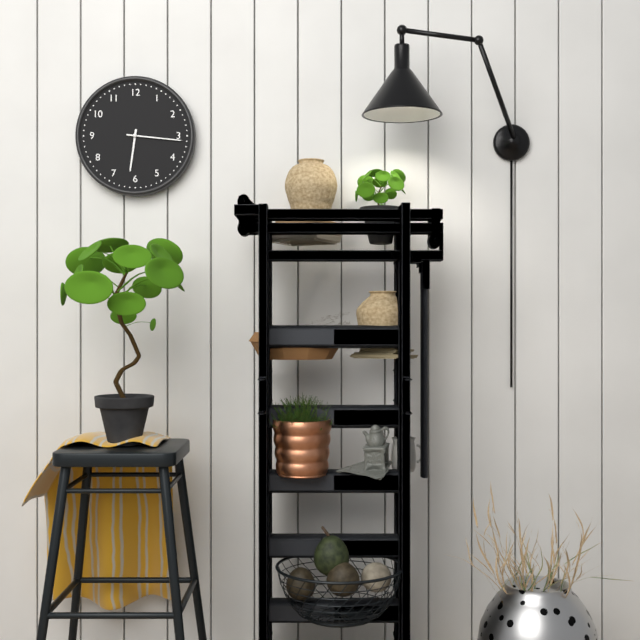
6:16
